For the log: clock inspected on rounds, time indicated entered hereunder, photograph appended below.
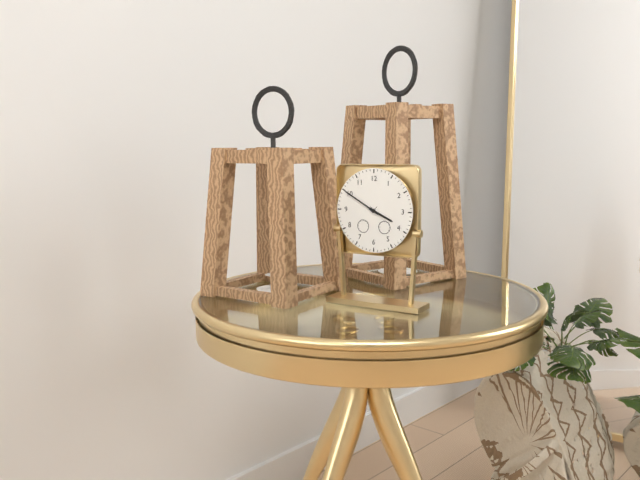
3:50
